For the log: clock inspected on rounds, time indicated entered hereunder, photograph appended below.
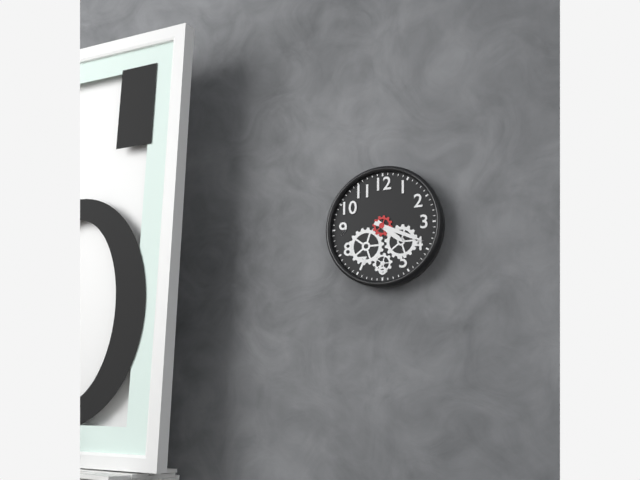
4:19
